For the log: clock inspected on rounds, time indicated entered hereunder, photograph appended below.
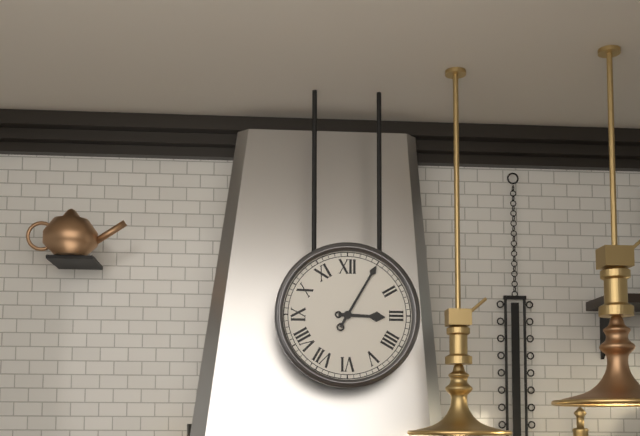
3:05
